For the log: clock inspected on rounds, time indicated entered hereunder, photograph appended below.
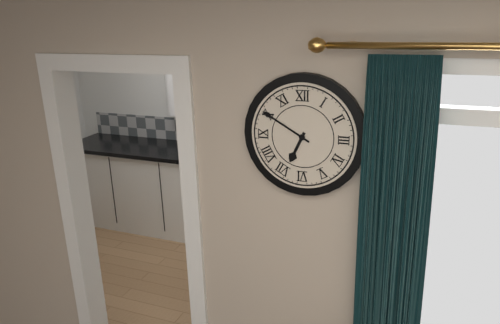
6:50
